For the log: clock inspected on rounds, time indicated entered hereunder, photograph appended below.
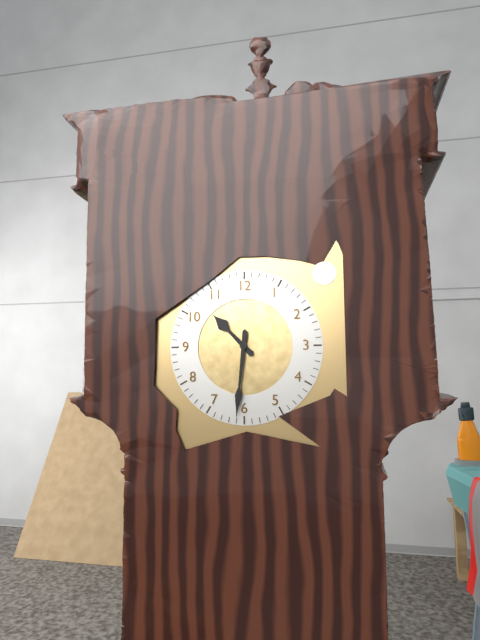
10:31
